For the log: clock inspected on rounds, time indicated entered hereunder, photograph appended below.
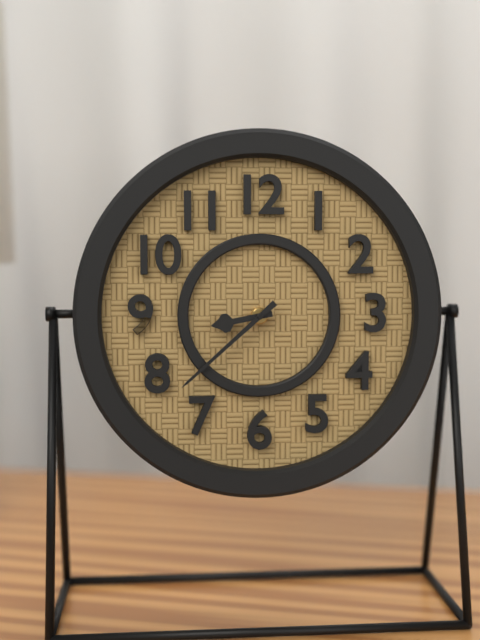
8:38
